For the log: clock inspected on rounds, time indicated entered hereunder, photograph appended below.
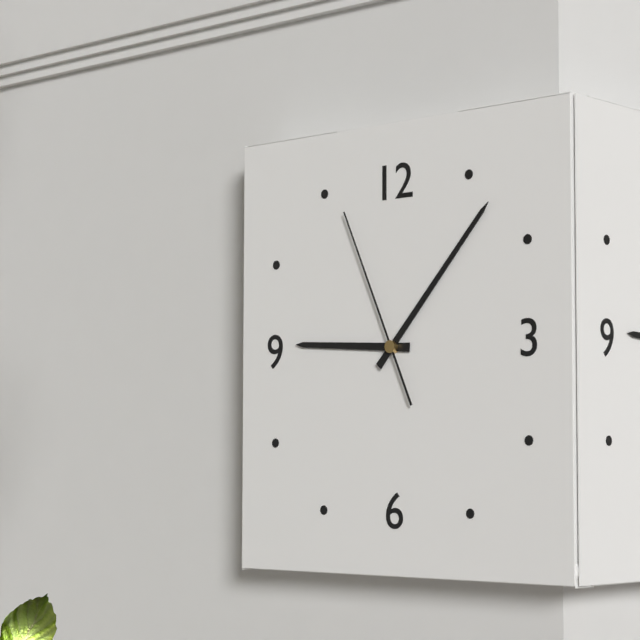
9:07:56
